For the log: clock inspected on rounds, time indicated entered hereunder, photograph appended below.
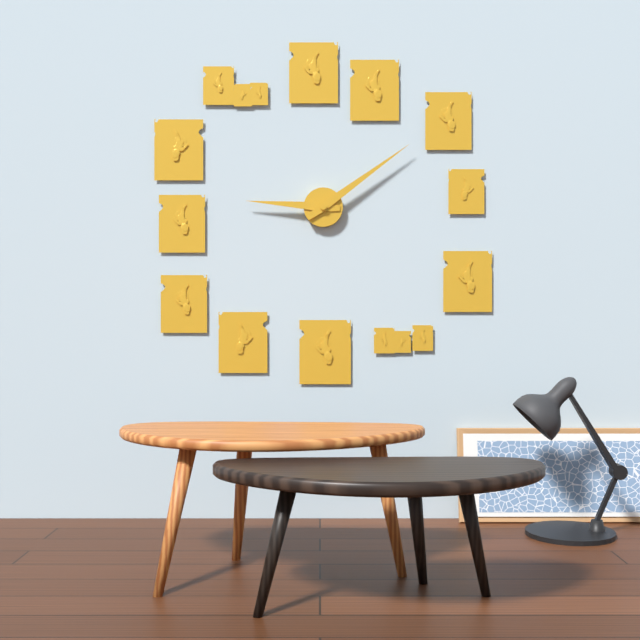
9:09
